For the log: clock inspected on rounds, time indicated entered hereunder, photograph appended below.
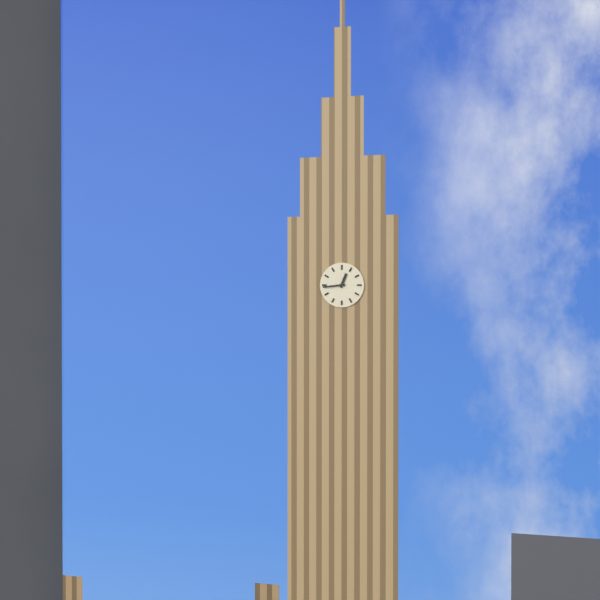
12:44
